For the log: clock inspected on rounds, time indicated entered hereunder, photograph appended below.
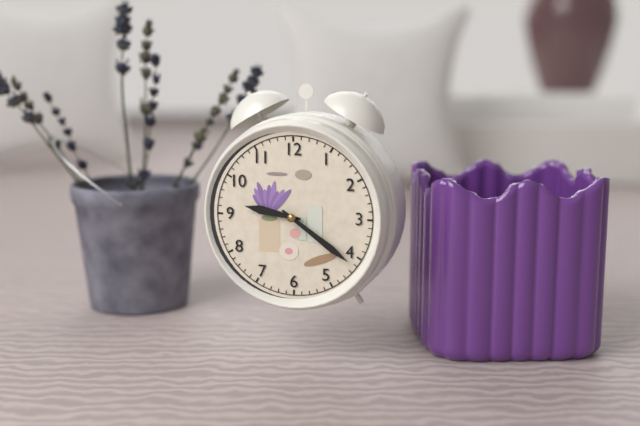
9:21
